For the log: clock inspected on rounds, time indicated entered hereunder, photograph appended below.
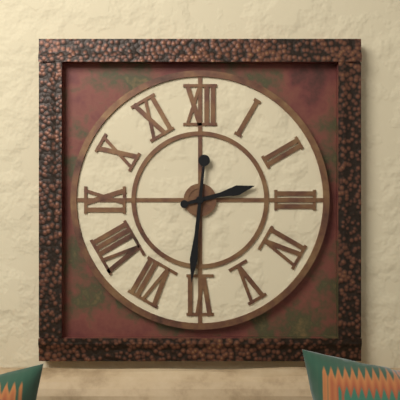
2:31
